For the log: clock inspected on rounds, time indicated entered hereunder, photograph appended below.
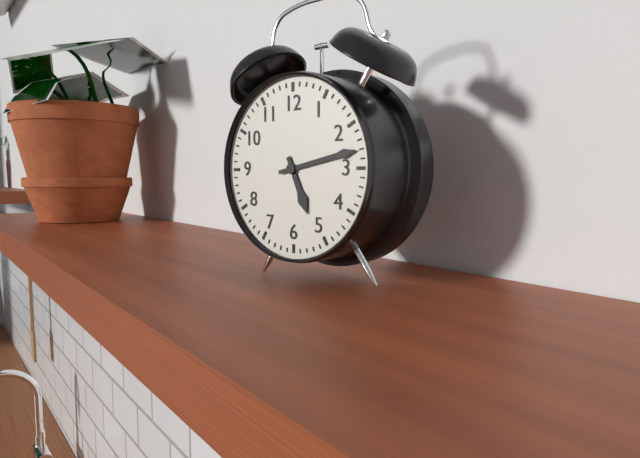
5:13
